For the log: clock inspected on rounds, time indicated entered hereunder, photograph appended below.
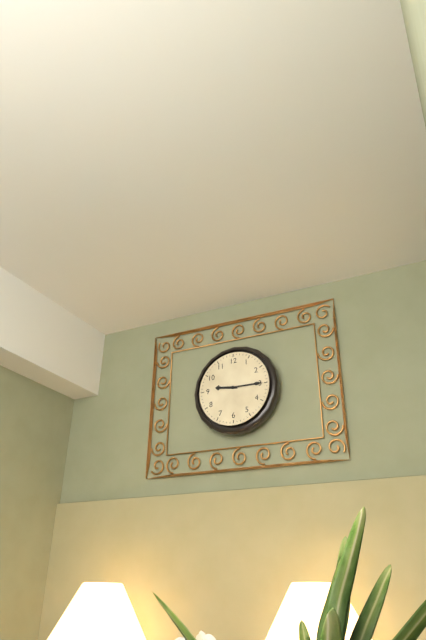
9:15
